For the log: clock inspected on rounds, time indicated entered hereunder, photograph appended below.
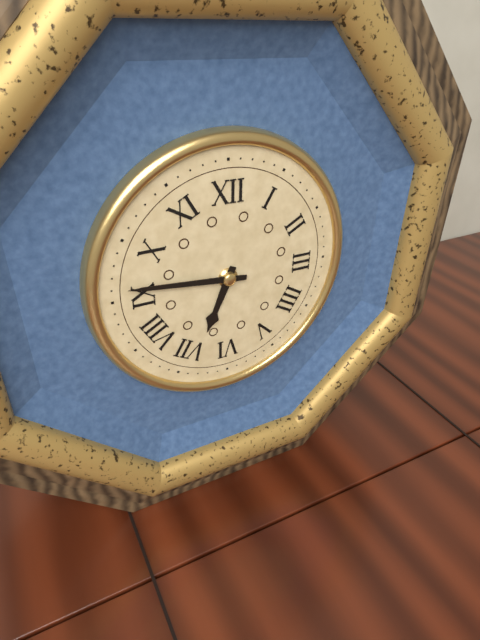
6:46
